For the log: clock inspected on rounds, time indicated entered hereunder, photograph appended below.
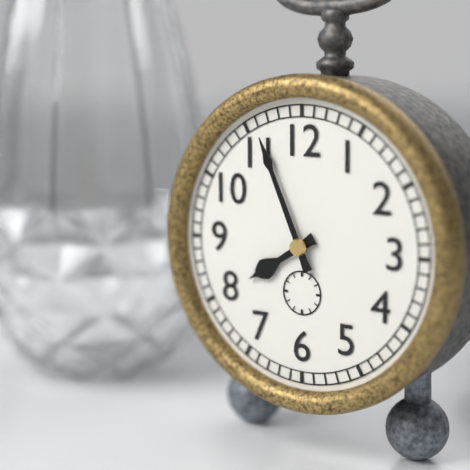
7:56
